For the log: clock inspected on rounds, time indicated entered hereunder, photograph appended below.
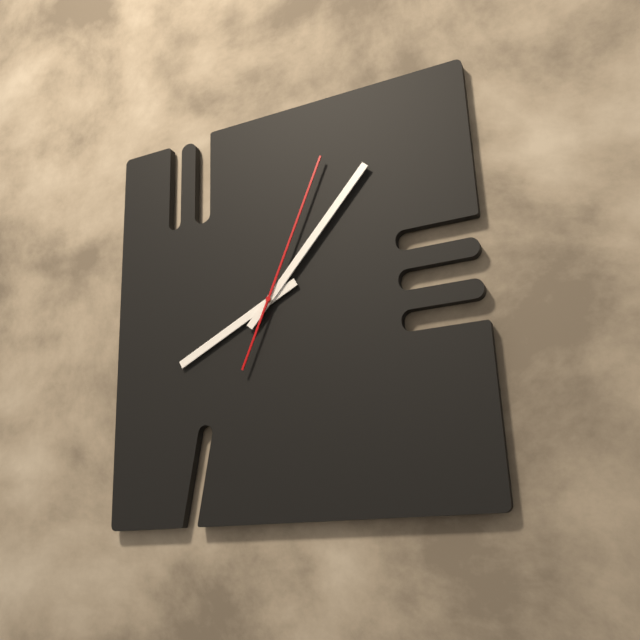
8:07:04
